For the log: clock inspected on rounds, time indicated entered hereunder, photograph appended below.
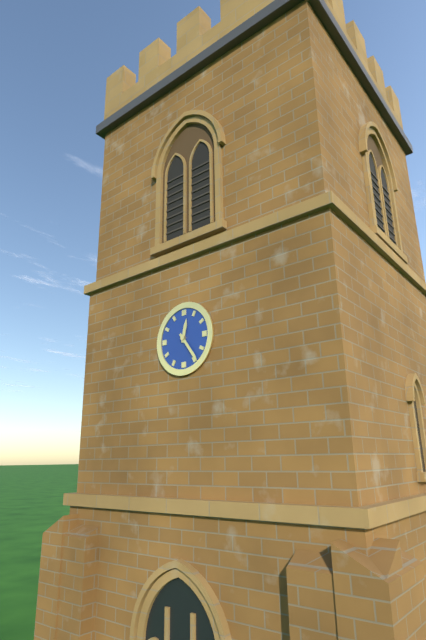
12:24
